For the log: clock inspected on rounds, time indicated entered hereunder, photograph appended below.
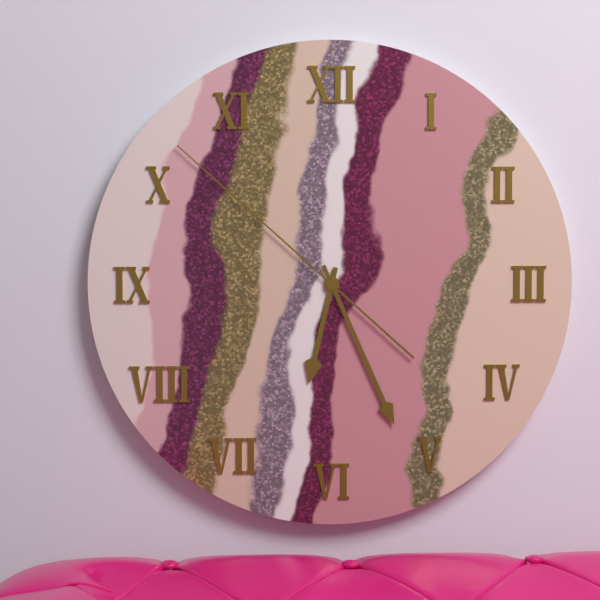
6:26:52
